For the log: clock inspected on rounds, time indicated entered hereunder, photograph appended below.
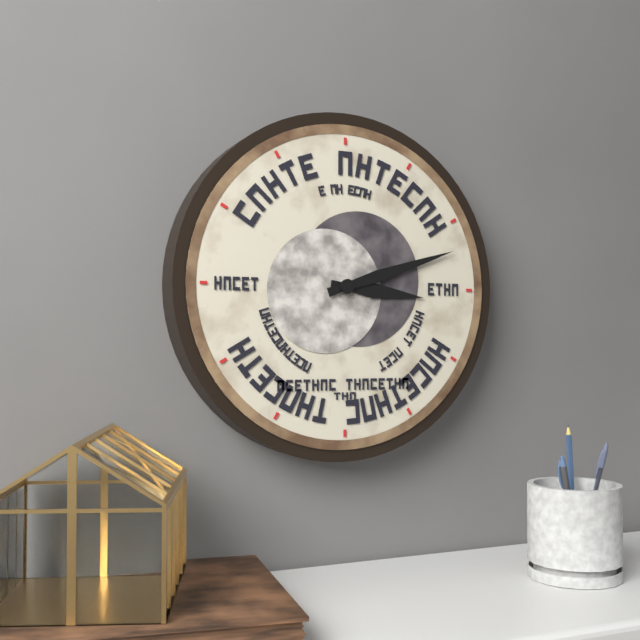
3:12
